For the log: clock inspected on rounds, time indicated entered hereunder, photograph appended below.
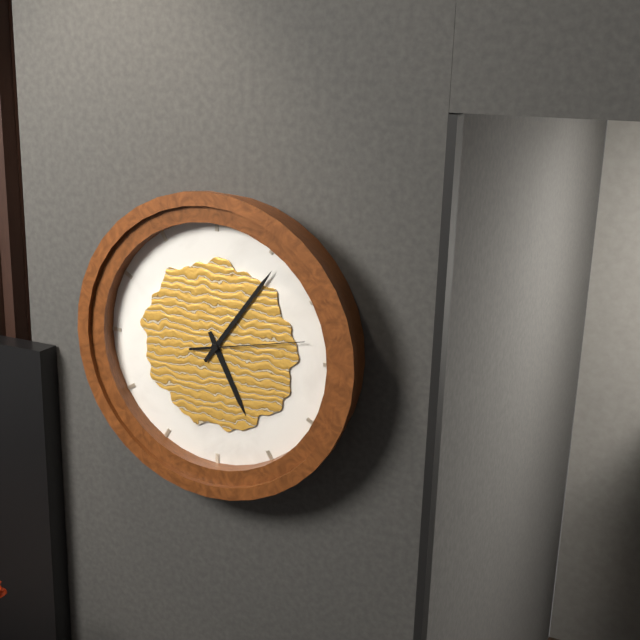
5:06:13
